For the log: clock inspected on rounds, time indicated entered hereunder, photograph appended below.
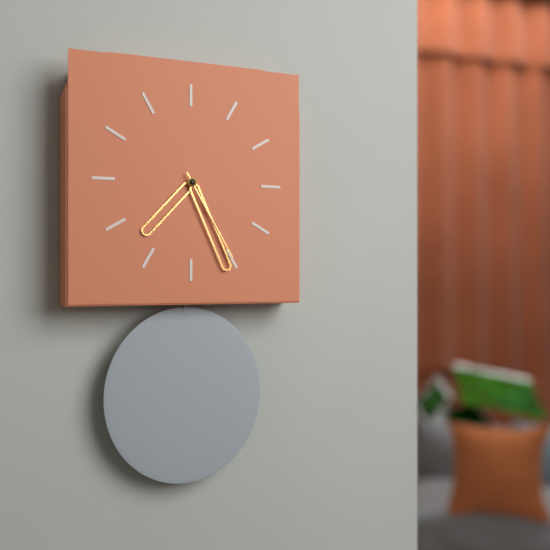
7:26:25
